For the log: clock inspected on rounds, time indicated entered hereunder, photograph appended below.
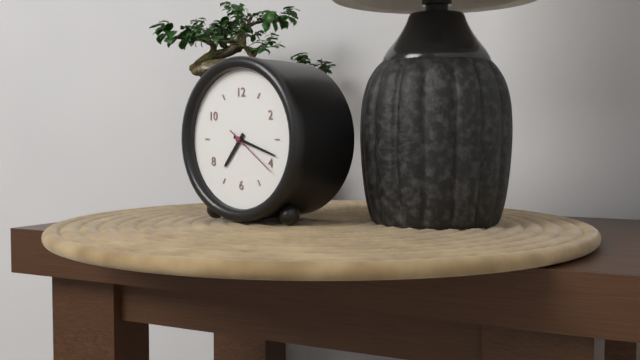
7:18:21
